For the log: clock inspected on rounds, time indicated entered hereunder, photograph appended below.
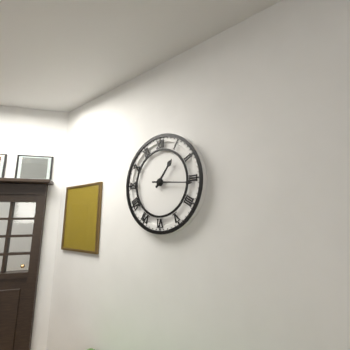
1:16
